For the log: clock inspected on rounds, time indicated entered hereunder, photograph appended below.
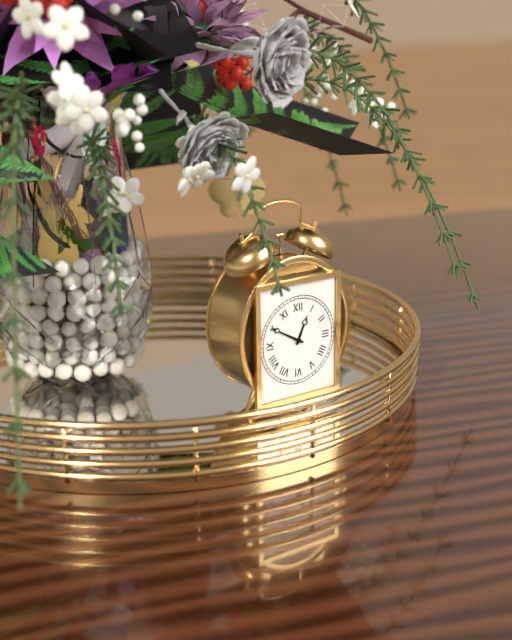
12:50
